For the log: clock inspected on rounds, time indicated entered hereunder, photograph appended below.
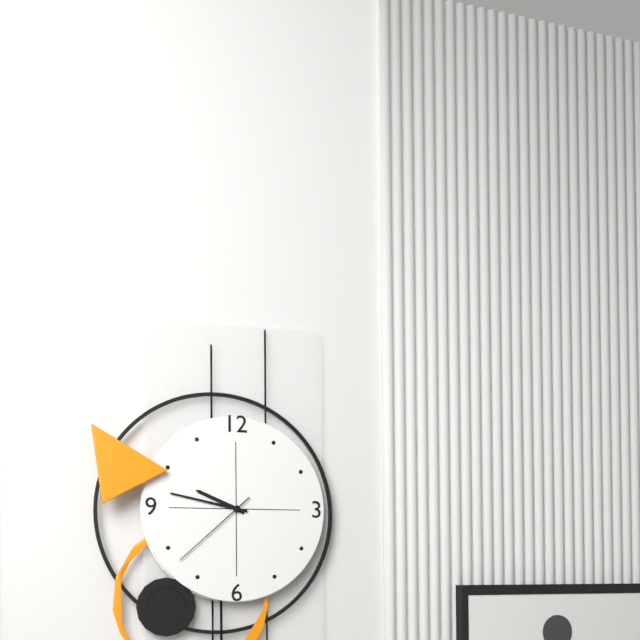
9:47:38
